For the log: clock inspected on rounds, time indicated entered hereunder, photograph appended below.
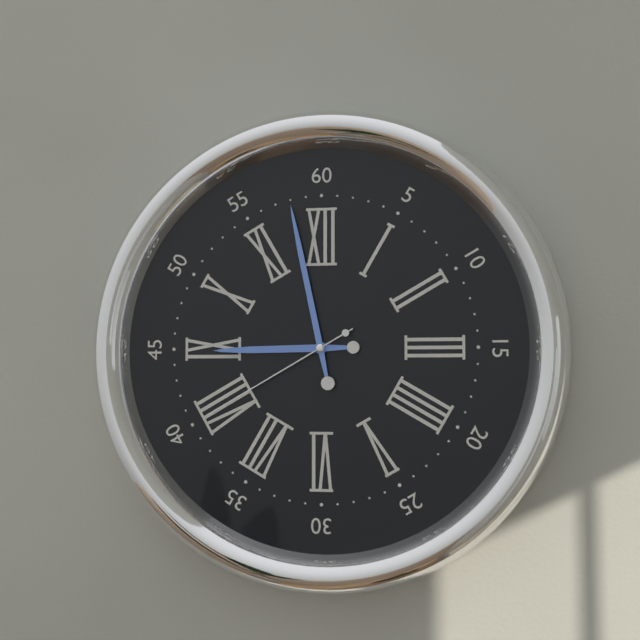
8:58:40
